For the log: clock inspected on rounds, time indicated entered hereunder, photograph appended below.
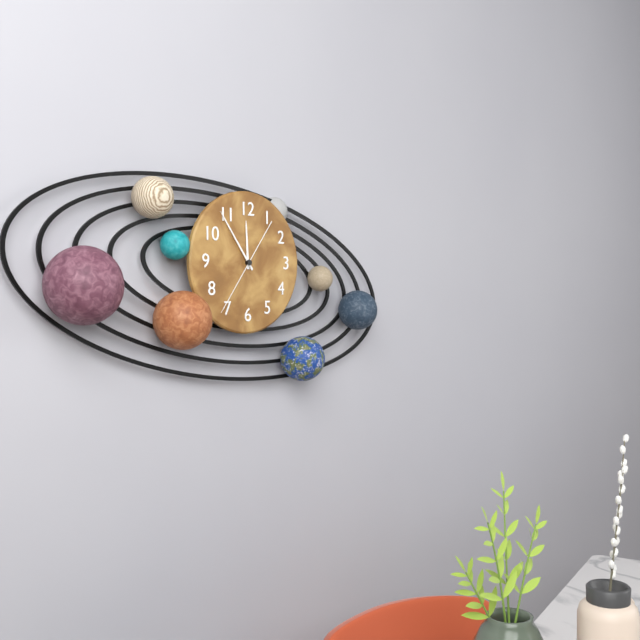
11:54:36
